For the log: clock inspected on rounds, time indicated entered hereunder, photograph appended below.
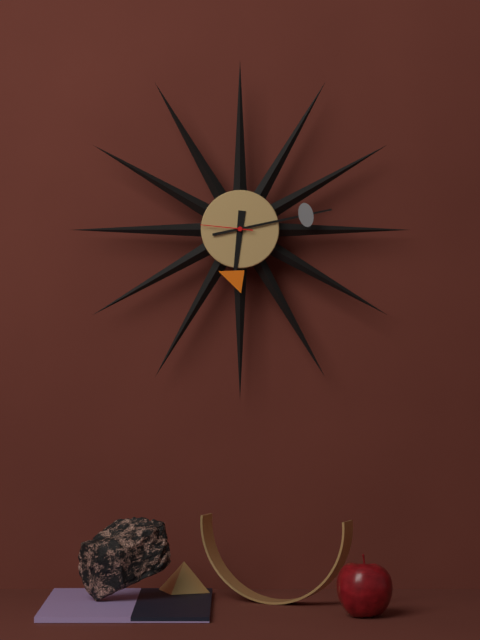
6:13:46
